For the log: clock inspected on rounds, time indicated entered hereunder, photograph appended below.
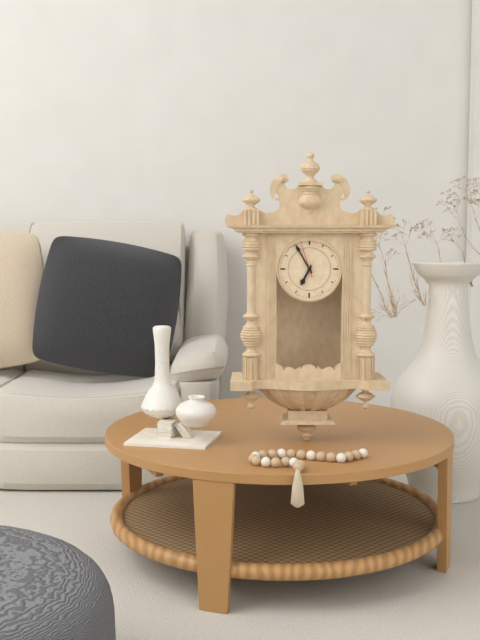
6:55
